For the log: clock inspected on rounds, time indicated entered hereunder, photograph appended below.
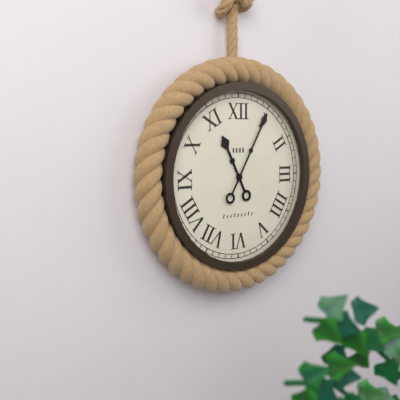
11:05
